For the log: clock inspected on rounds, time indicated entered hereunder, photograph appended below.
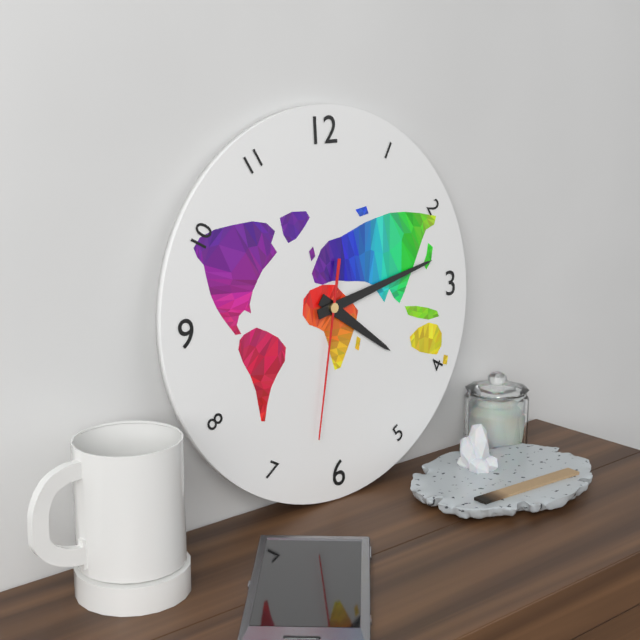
4:13:32
